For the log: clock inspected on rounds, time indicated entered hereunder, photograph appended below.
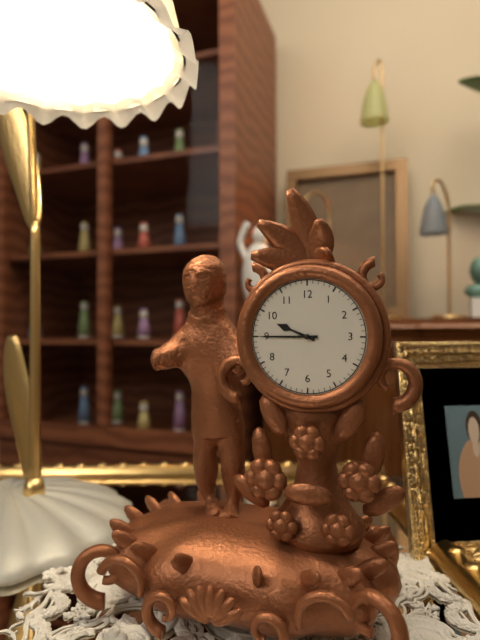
9:45
